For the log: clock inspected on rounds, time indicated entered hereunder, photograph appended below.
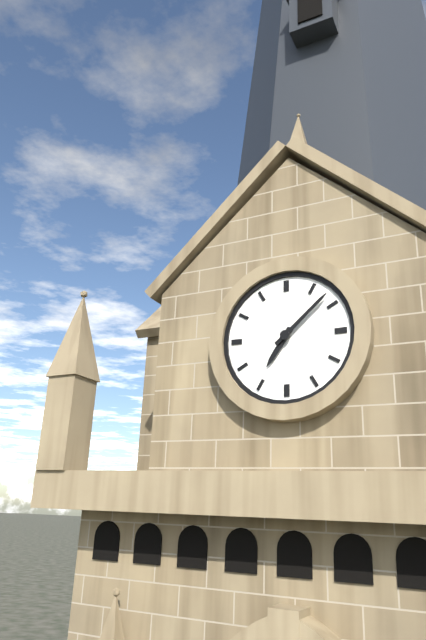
7:08
